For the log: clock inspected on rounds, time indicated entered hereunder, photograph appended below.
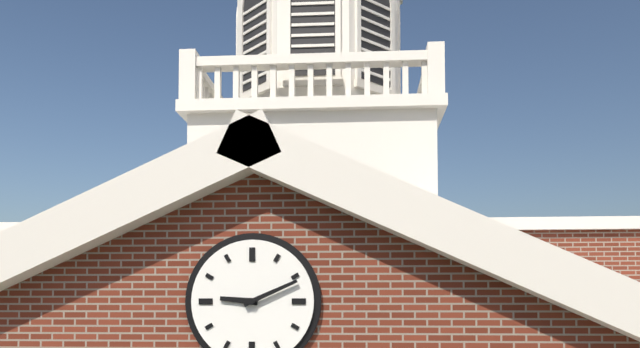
9:11
